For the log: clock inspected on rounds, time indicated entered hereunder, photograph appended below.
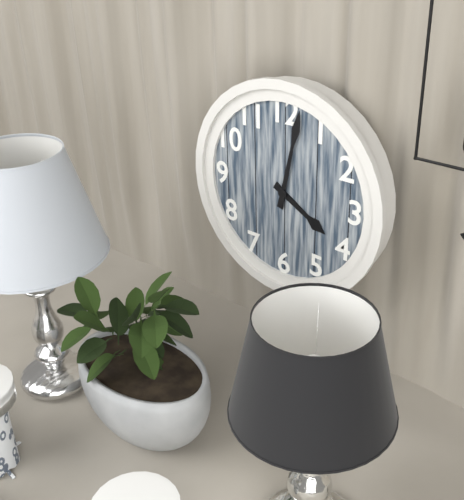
4:02
